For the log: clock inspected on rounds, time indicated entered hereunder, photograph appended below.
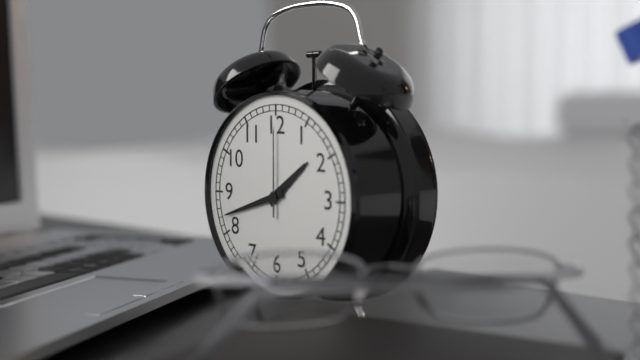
1:42:00
